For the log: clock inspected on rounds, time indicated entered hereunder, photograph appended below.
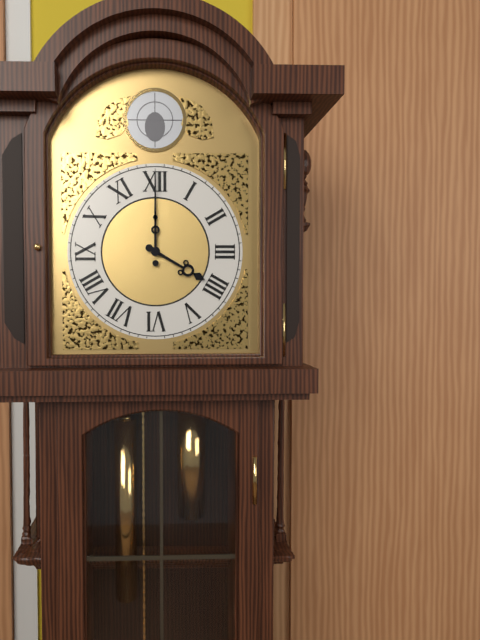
4:00
